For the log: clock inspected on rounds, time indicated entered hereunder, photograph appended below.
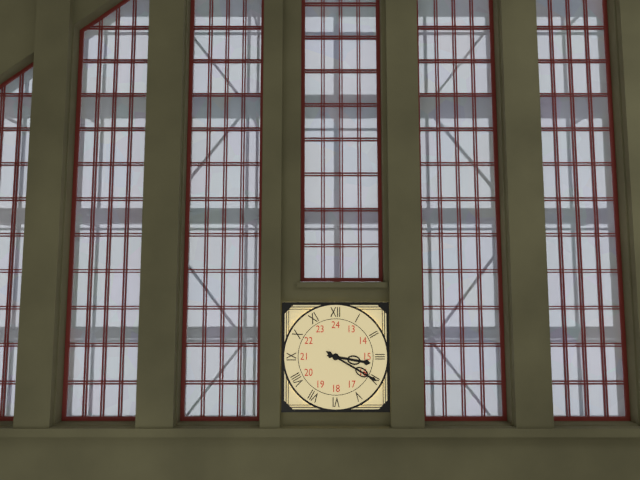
3:20
